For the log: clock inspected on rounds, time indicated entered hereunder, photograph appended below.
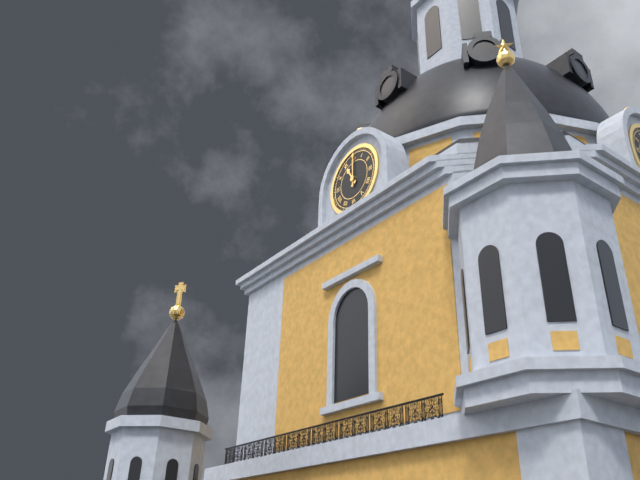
11:00
